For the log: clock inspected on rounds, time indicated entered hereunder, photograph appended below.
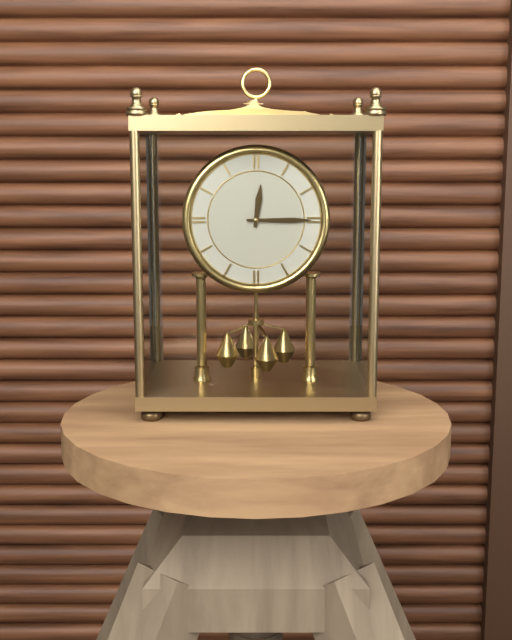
12:15
